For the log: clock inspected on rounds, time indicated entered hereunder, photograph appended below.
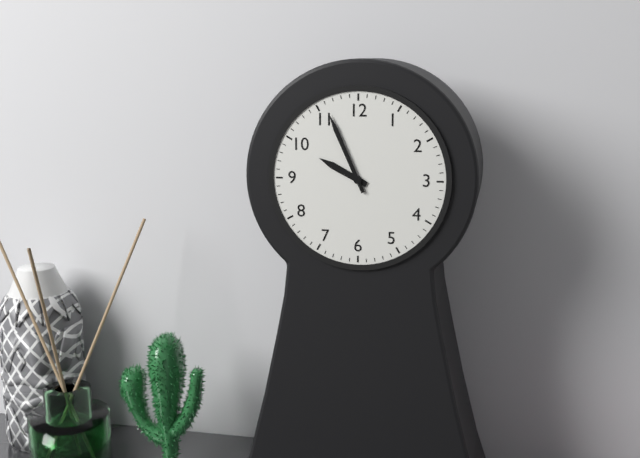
9:56
